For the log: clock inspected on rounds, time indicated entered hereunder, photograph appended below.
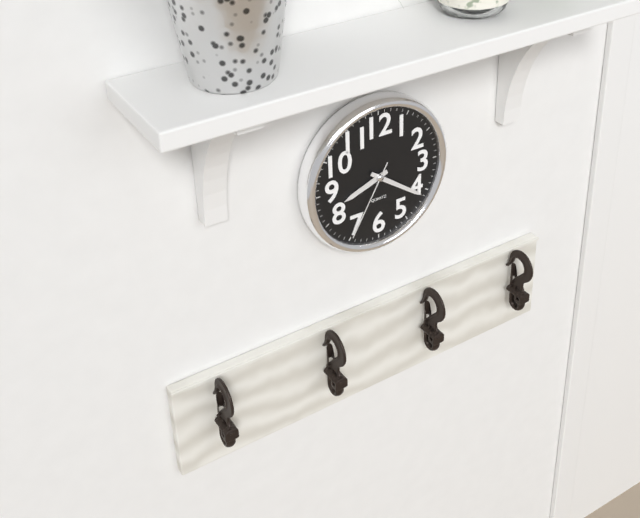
8:21:35
